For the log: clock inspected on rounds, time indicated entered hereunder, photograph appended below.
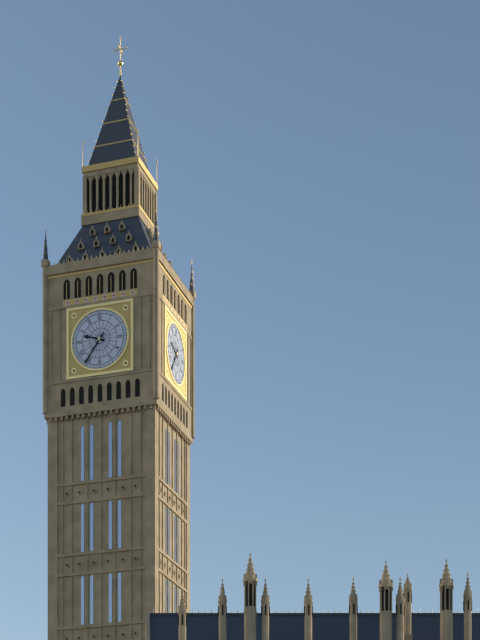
9:36
